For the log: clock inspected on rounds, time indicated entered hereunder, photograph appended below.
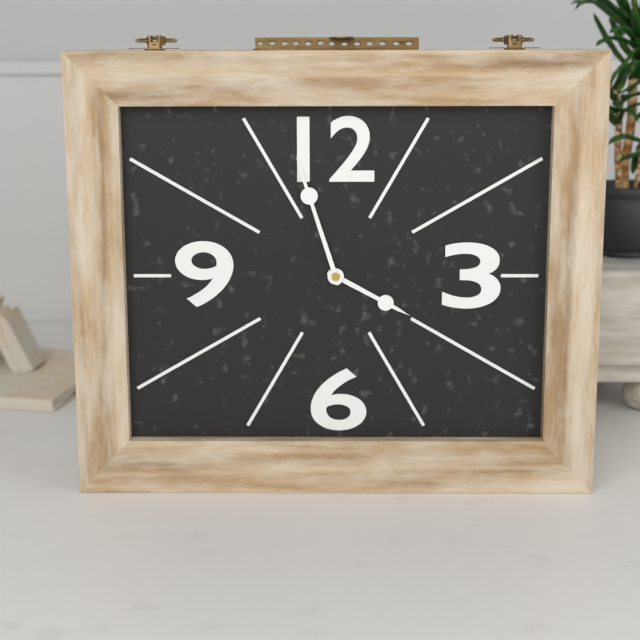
3:57
